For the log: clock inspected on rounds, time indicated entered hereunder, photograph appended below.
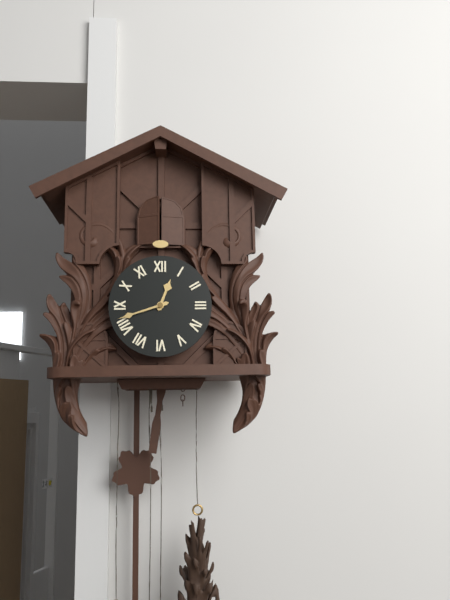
12:42
